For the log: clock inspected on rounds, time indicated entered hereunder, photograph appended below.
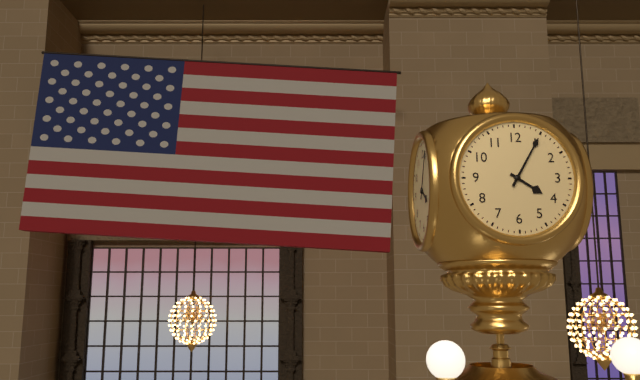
4:05
